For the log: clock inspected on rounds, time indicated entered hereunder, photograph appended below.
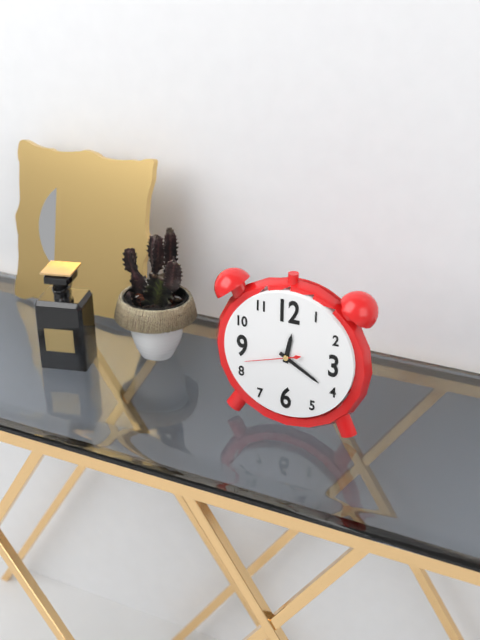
12:20:42
